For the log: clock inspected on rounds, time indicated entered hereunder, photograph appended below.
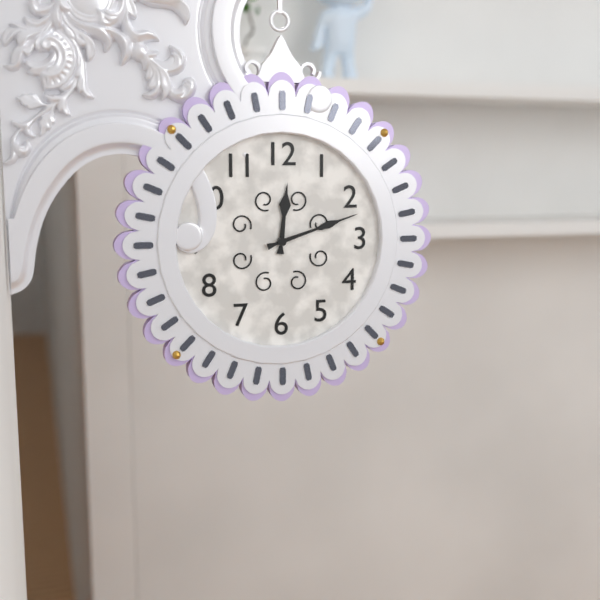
12:12
